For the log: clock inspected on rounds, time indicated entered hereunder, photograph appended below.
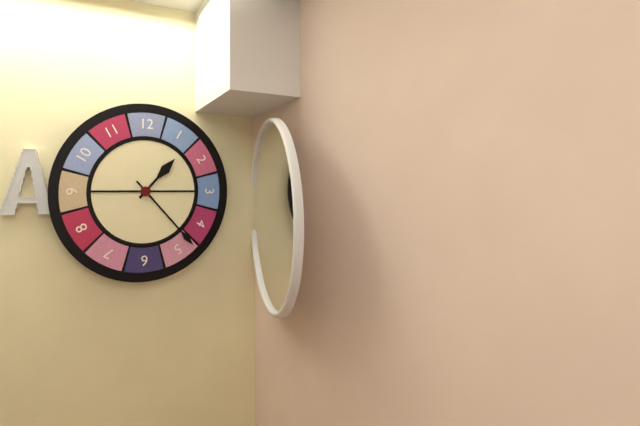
1:23
